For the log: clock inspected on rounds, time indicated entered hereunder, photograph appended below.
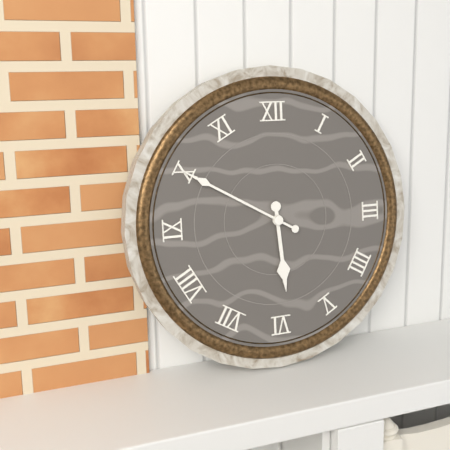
5:50
